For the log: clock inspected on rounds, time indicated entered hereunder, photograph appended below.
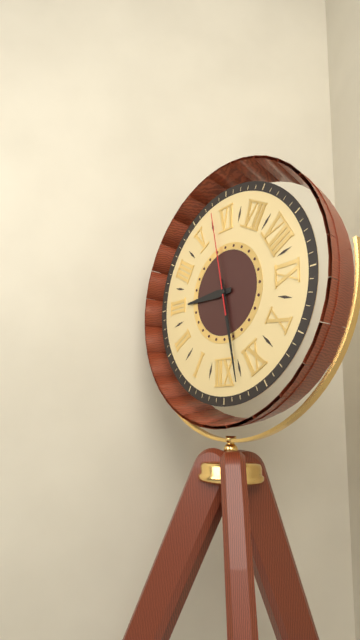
2:58:28
